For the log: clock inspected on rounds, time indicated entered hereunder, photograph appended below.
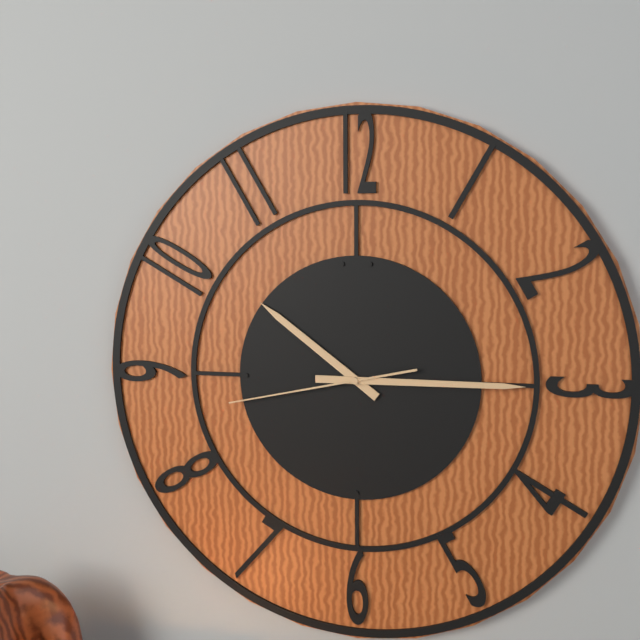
10:15:43
